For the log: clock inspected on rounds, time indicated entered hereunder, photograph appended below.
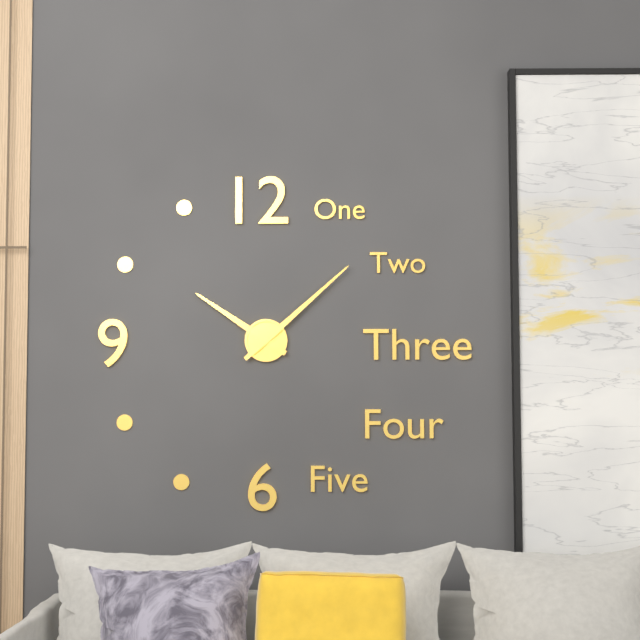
10:08
